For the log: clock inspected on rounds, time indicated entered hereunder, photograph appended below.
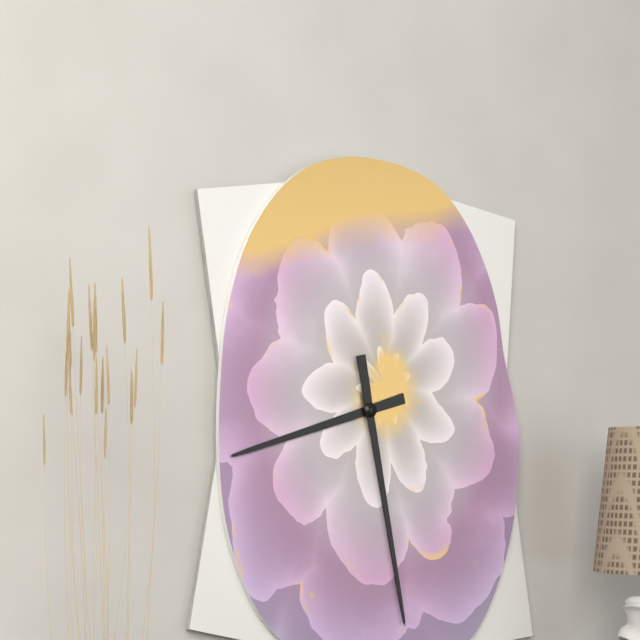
8:28
